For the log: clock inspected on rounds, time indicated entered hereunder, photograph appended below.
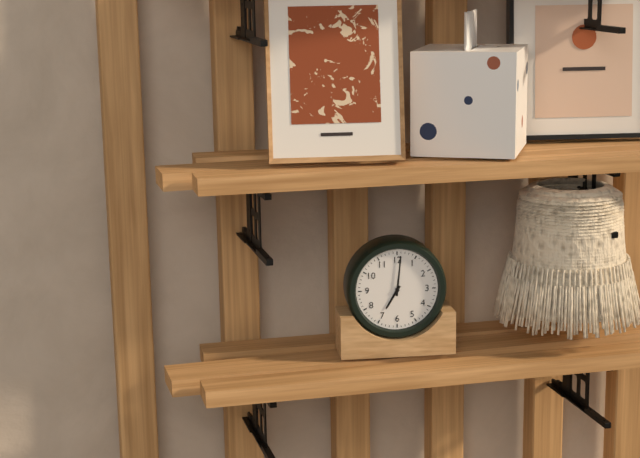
7:01
